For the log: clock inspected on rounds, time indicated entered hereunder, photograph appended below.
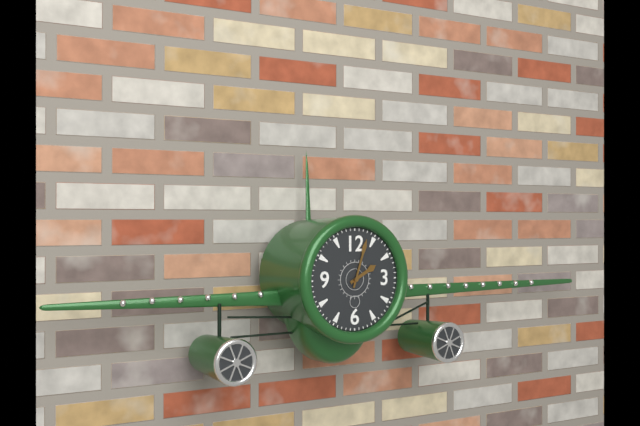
2:03
